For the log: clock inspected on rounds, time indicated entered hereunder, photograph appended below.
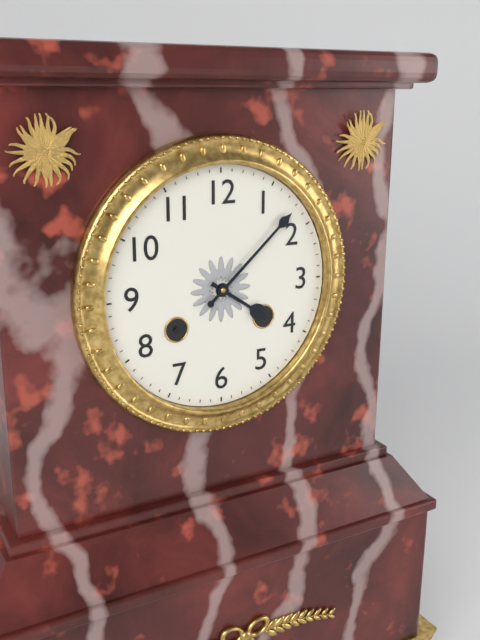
4:08
